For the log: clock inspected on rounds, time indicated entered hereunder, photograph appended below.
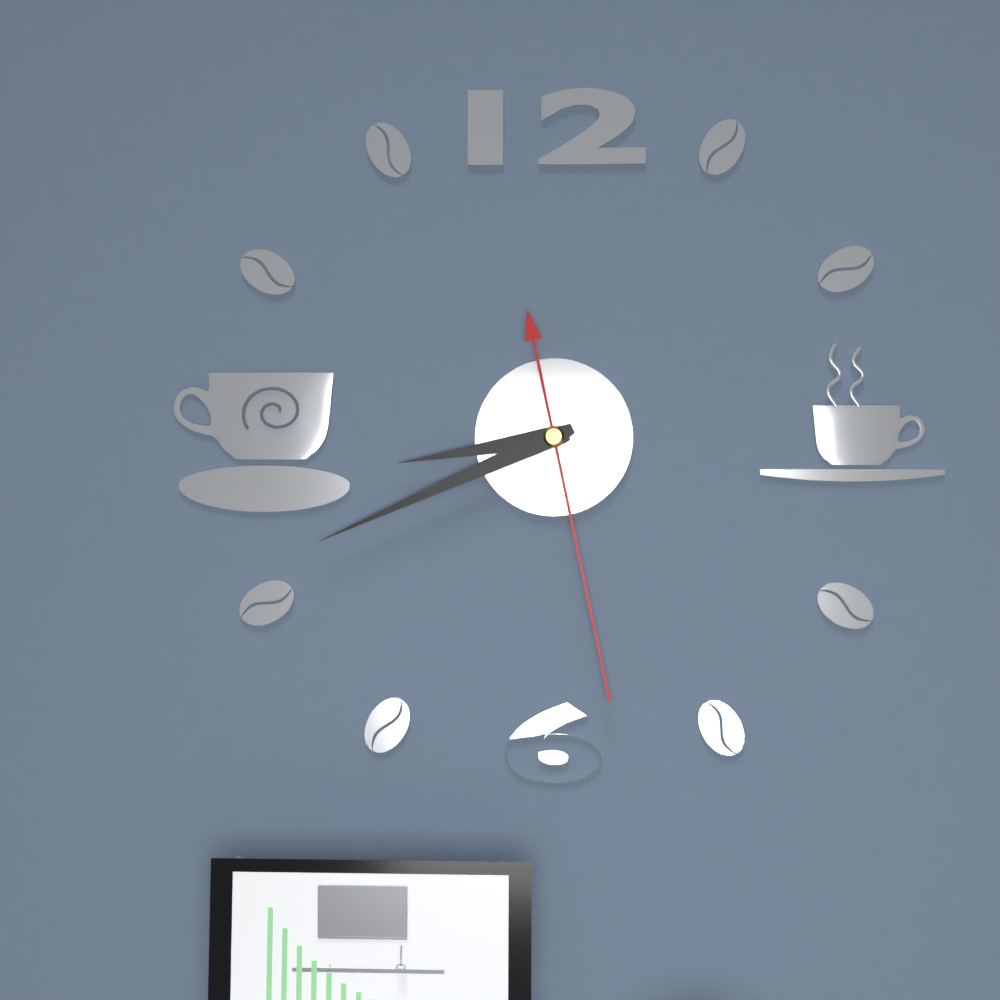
8:41:28
